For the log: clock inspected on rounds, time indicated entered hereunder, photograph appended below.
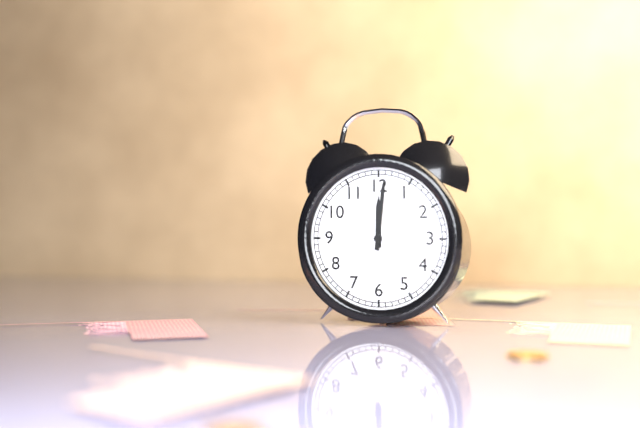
12:01
